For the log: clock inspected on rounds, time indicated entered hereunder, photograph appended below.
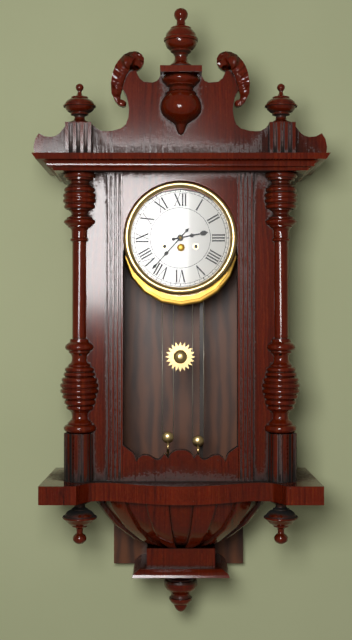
2:37
